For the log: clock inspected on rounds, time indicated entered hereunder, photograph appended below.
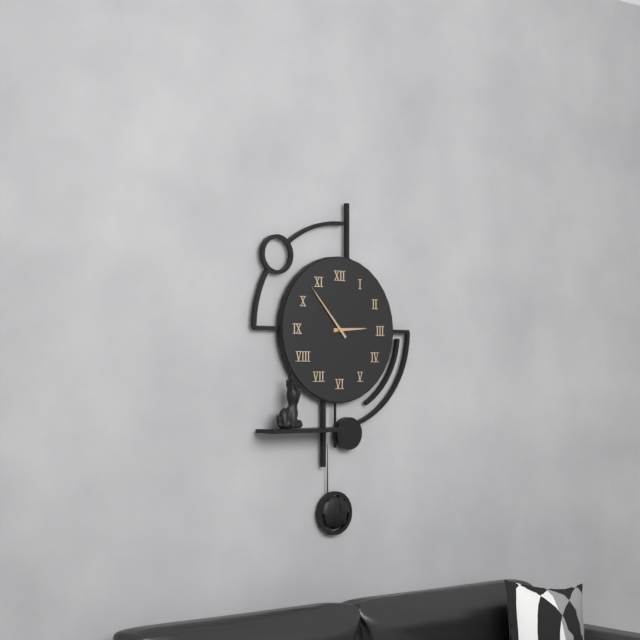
2:53
